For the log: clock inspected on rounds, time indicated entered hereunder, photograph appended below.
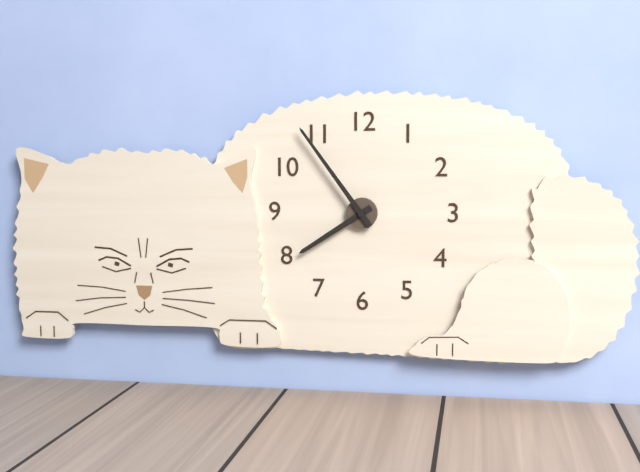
7:54
